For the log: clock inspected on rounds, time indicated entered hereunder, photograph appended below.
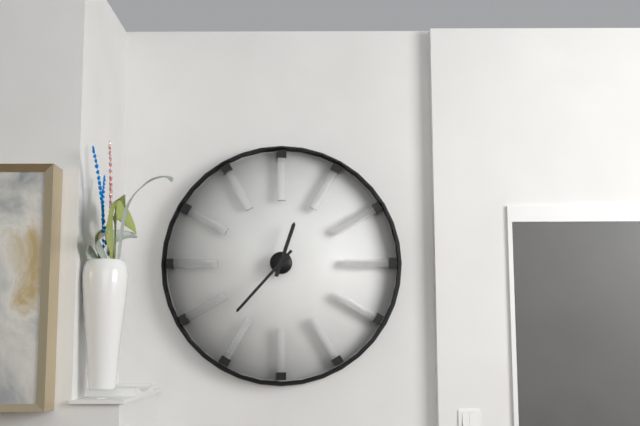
12:37
